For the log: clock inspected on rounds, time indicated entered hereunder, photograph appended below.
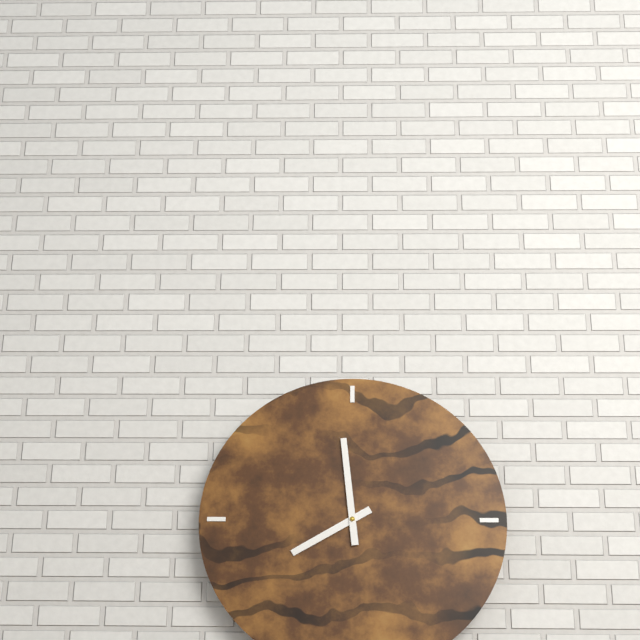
7:59
